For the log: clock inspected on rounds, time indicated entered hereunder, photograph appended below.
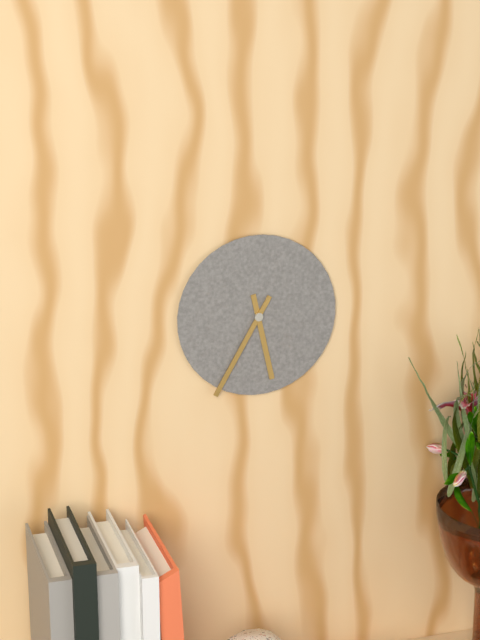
5:35
